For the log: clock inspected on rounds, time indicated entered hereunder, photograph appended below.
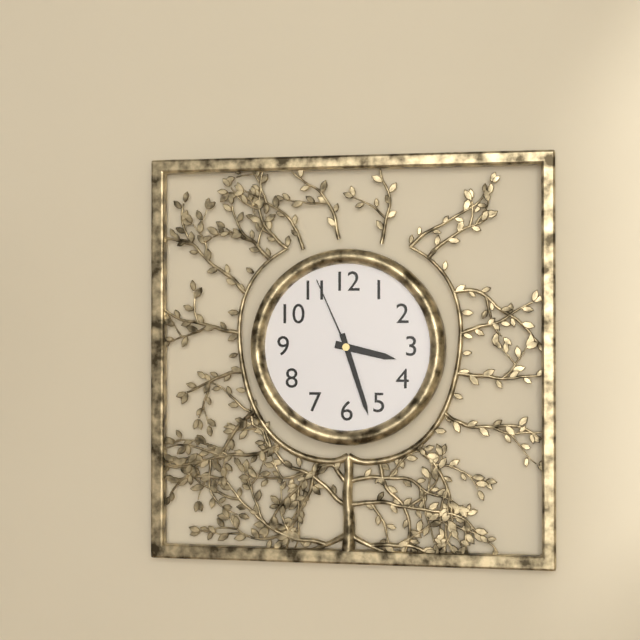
3:27:56
